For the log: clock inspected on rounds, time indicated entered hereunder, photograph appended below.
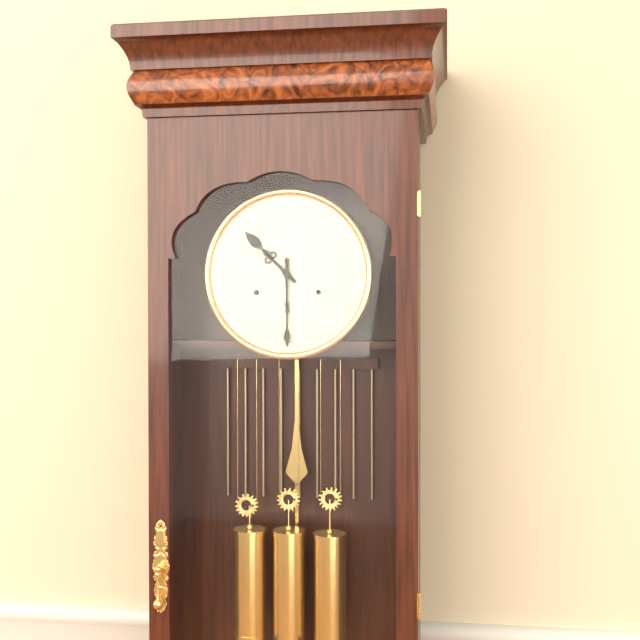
10:30
